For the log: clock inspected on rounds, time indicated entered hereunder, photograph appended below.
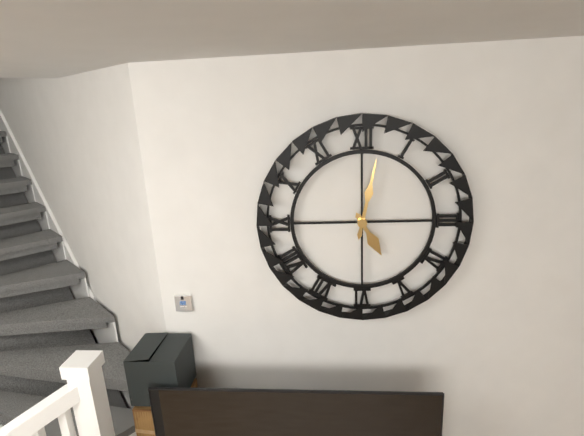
5:02
